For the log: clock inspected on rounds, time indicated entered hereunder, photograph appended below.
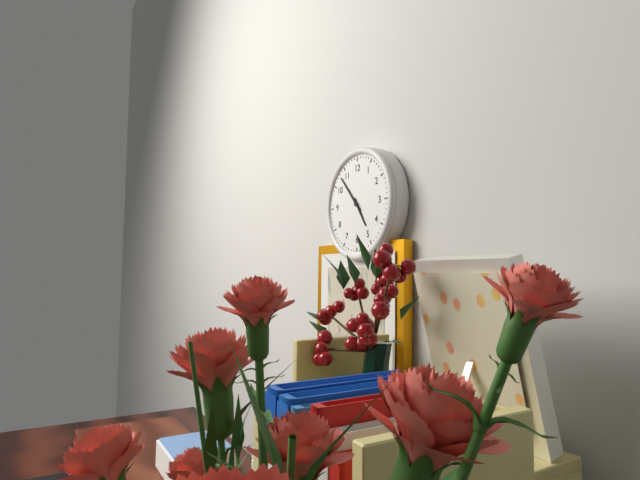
4:53
